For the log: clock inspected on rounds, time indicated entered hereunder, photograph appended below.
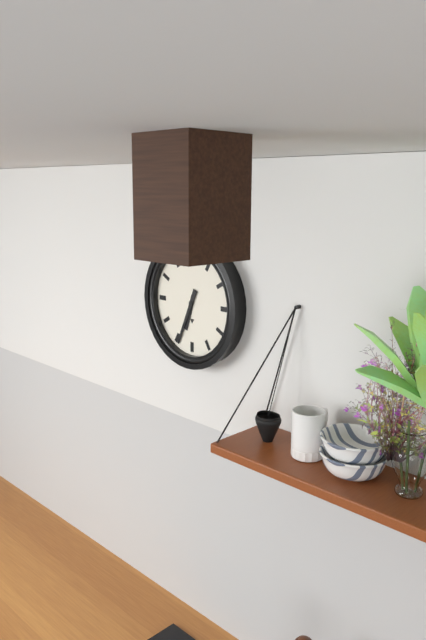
6:34
